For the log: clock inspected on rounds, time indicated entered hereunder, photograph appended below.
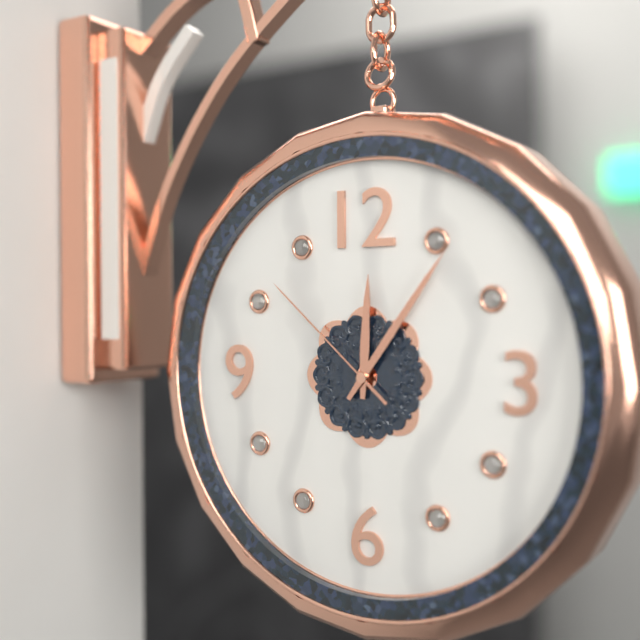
12:06:52
